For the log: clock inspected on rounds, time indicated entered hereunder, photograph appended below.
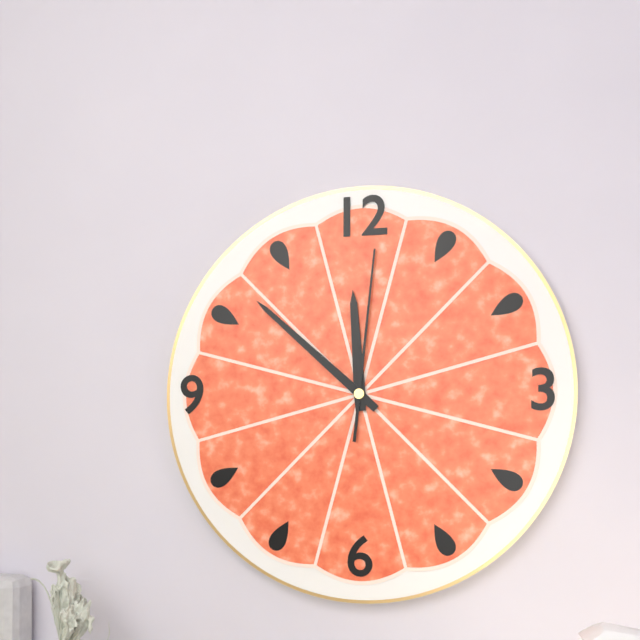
11:52:01
